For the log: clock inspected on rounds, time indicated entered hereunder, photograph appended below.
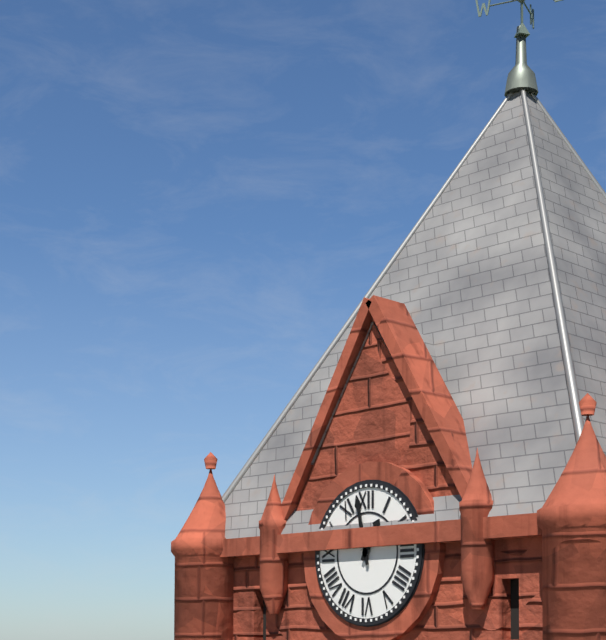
12:58
